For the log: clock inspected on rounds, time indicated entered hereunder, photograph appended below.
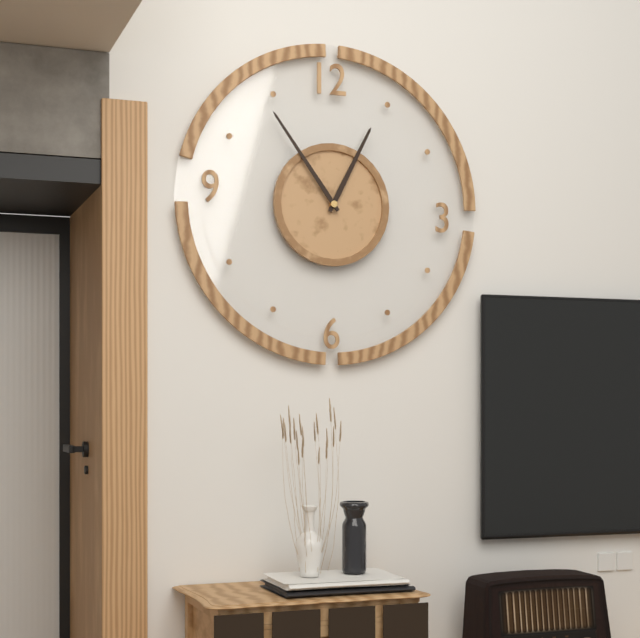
12:54
